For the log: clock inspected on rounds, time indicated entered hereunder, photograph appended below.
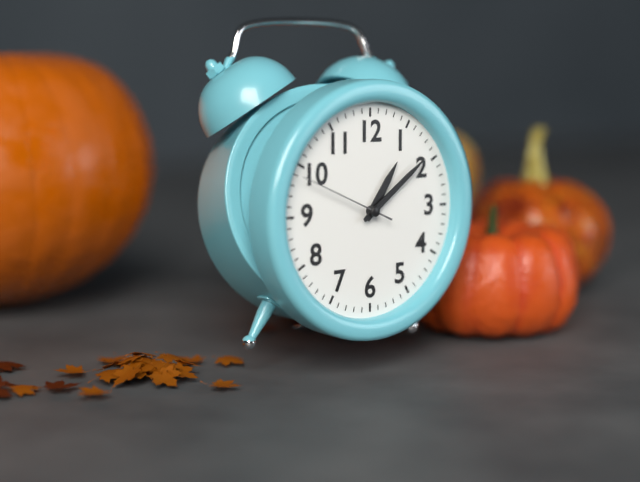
1:09:49
